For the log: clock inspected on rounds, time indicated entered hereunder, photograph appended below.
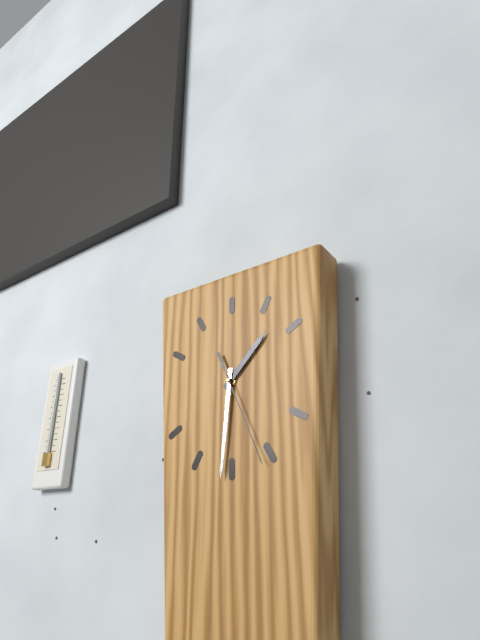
1:31:26
